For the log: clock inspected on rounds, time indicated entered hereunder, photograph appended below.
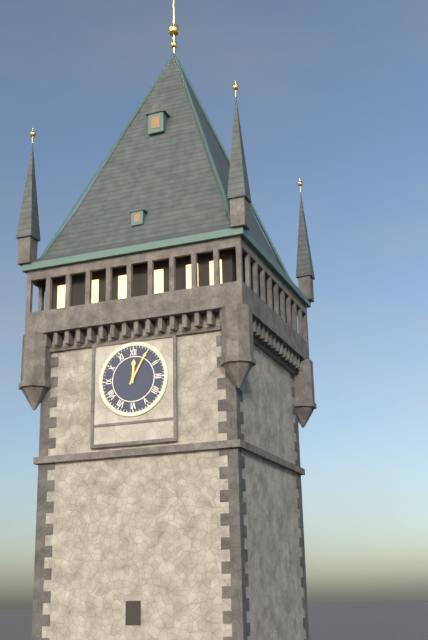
12:05
